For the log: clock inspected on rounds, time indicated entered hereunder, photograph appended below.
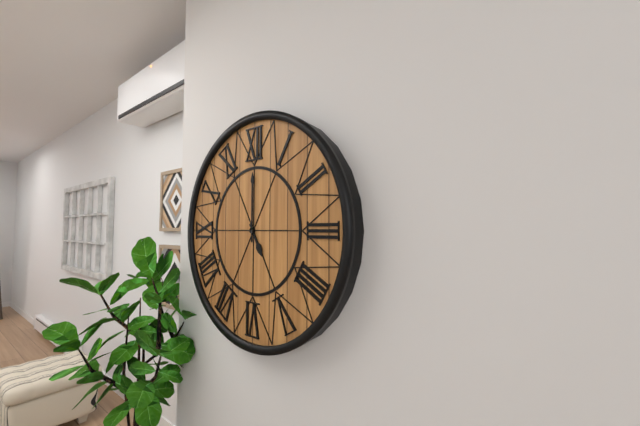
5:00
